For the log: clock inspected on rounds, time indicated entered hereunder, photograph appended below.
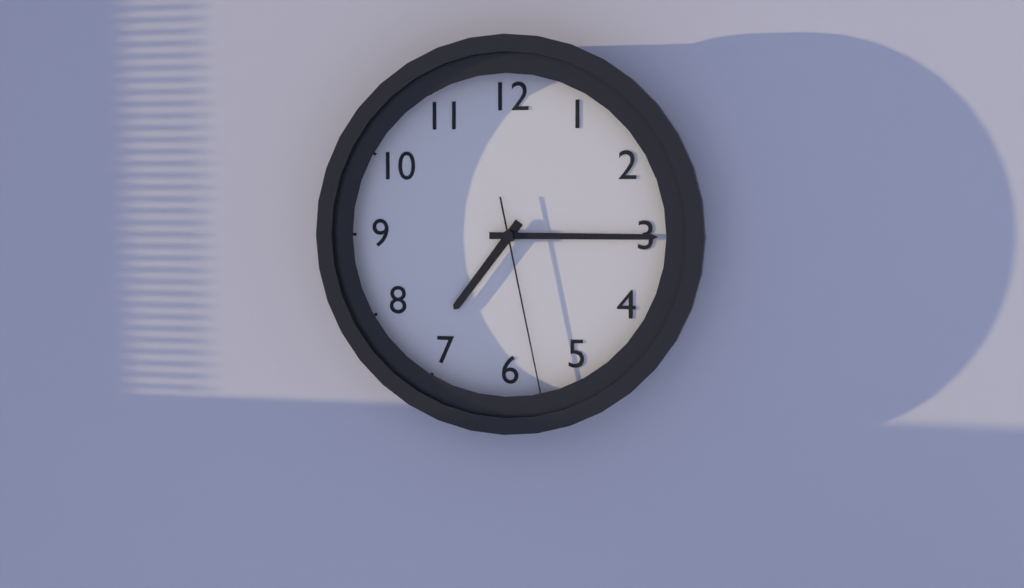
7:15:28
